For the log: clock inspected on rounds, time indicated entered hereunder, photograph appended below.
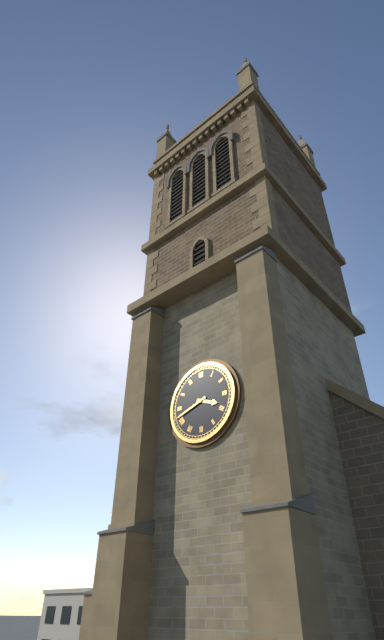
3:42
